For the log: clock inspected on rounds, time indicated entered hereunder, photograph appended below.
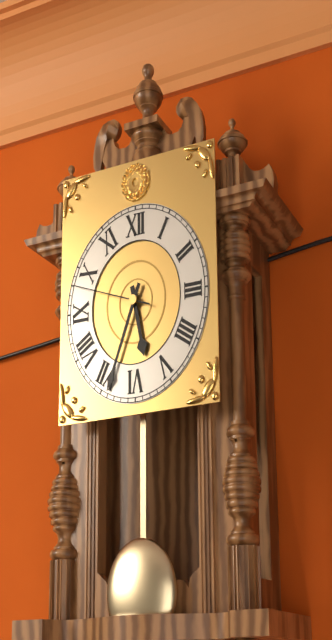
5:34:48
